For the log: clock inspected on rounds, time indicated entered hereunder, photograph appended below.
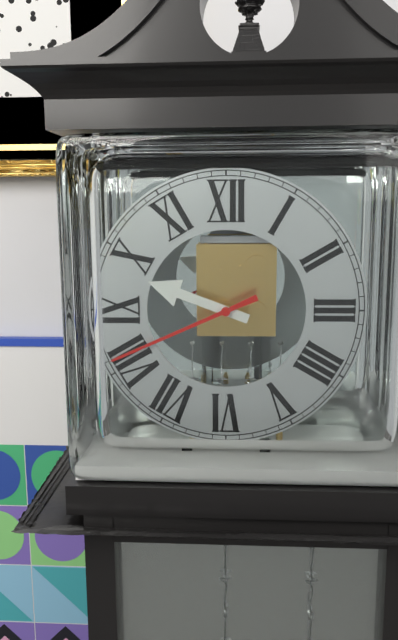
9:41
